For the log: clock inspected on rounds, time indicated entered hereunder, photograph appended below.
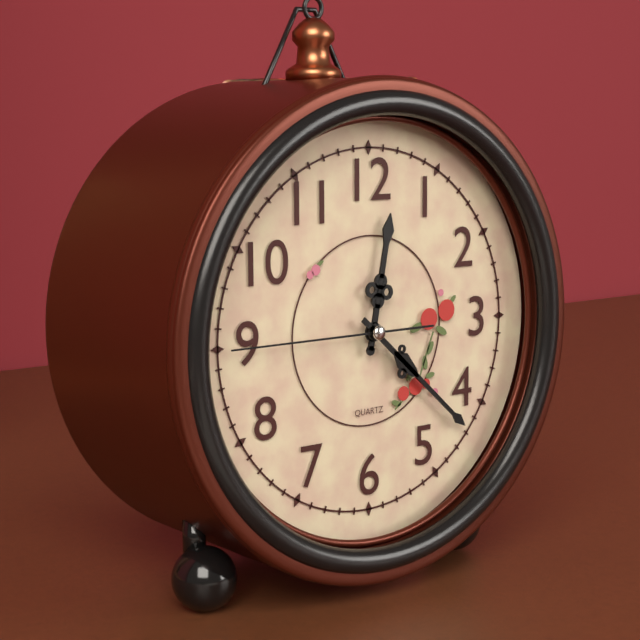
12:22:45
